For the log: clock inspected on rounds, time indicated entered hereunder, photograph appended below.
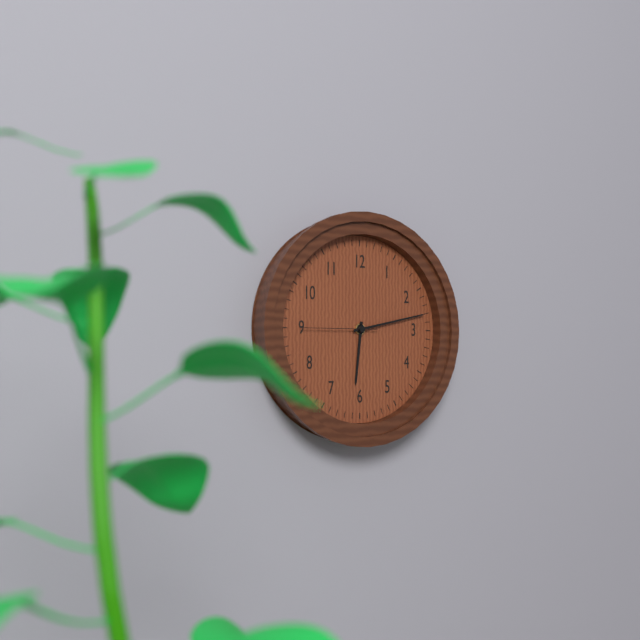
6:13:45
